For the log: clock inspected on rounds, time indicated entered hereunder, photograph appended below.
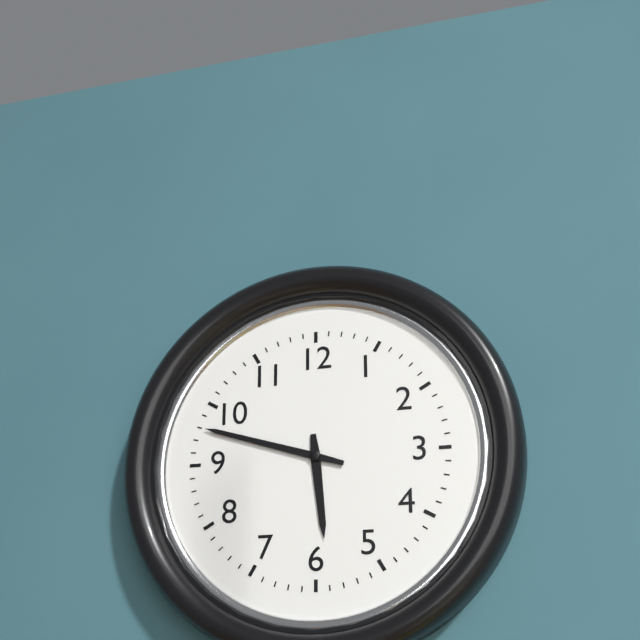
5:48
